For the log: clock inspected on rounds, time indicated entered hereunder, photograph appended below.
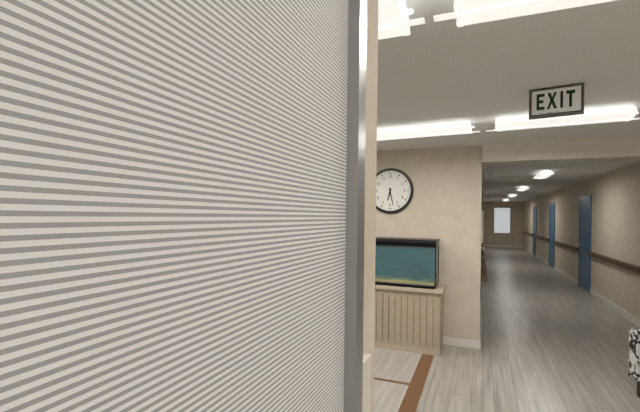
6:28
